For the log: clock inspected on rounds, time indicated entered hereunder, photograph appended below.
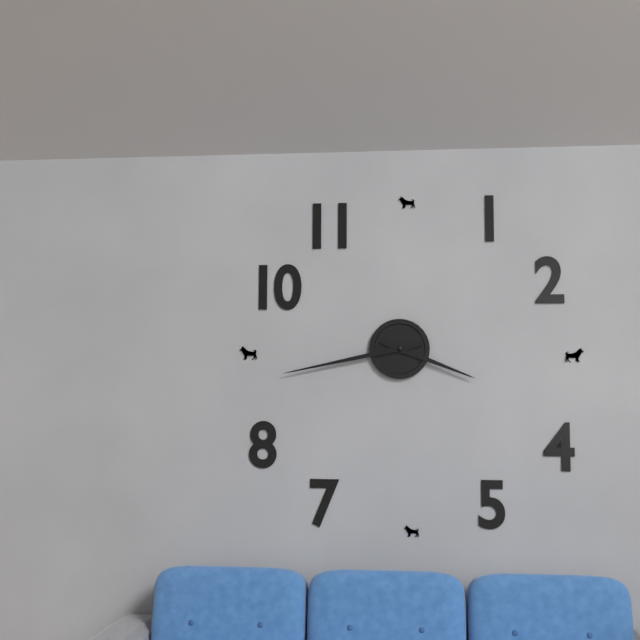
3:43
